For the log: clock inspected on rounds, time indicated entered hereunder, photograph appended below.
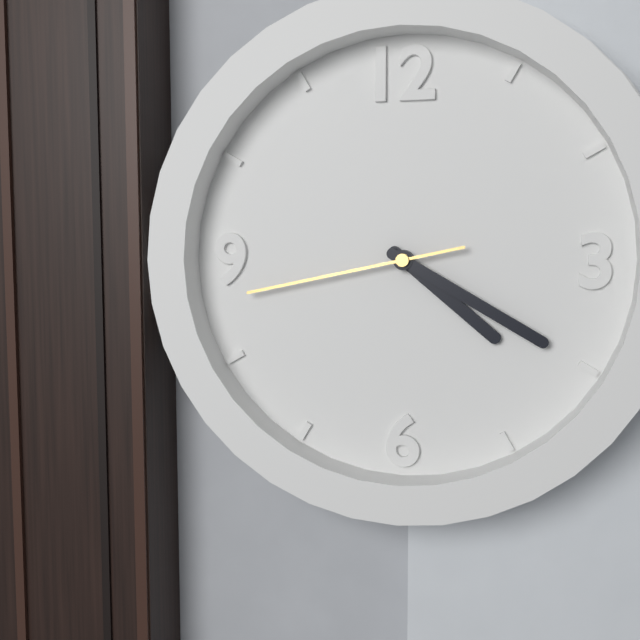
4:20:43
